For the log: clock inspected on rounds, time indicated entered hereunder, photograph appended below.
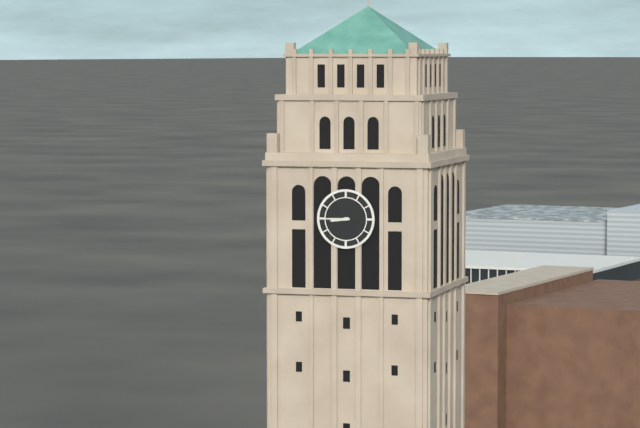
8:45
